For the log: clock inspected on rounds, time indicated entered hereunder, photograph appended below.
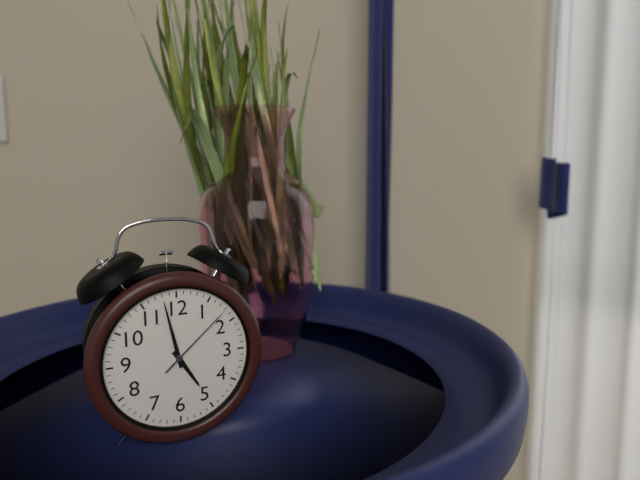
4:58:08
